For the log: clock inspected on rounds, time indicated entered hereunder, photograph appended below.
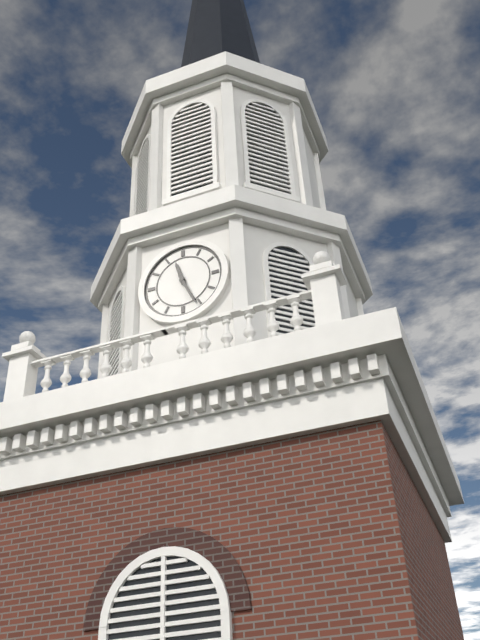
11:26
